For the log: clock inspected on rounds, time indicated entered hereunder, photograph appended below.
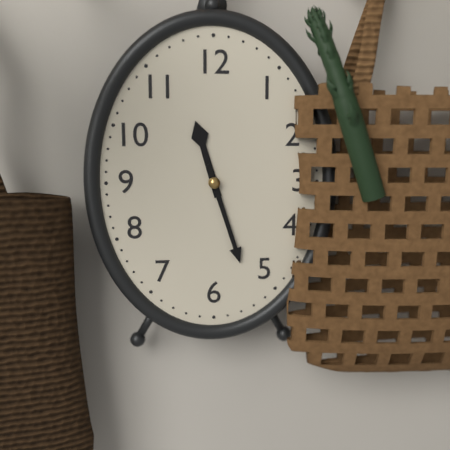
11:27
